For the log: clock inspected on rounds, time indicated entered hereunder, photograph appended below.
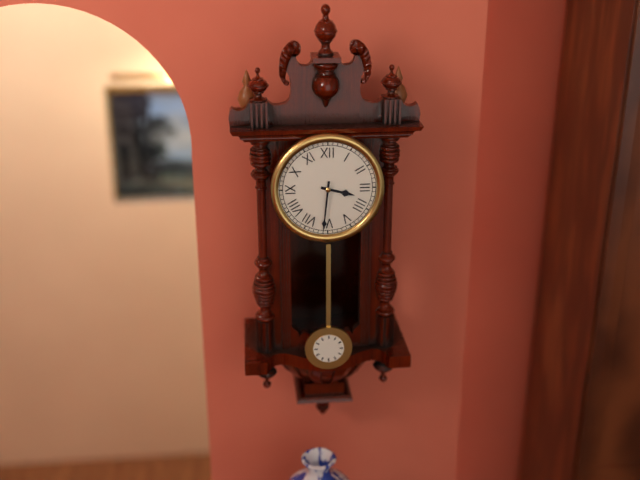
3:31
